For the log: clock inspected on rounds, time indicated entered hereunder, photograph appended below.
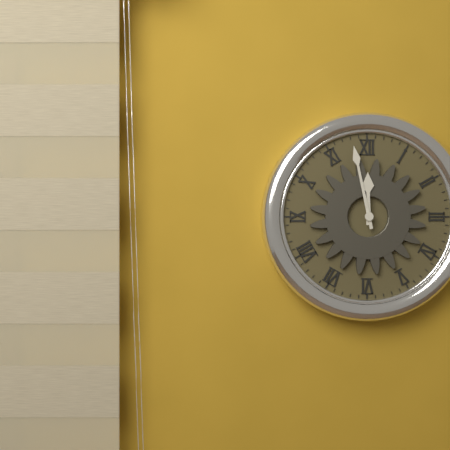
11:58
